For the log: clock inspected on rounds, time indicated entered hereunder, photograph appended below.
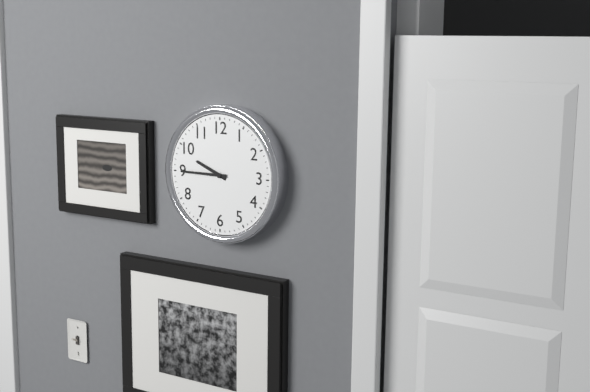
9:45
